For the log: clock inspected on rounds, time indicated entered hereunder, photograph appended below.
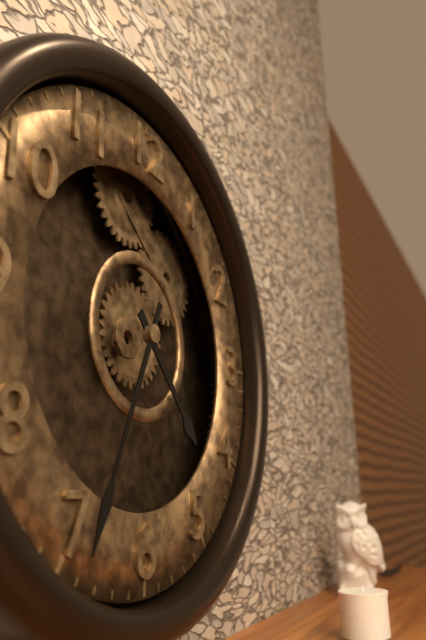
4:34
